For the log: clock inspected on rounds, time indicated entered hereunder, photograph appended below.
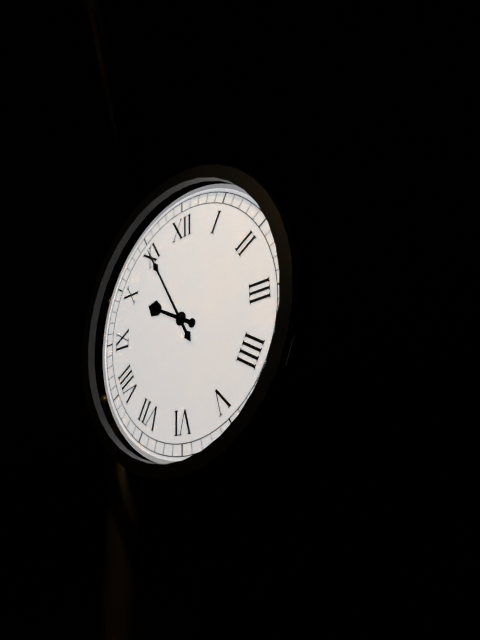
9:55
